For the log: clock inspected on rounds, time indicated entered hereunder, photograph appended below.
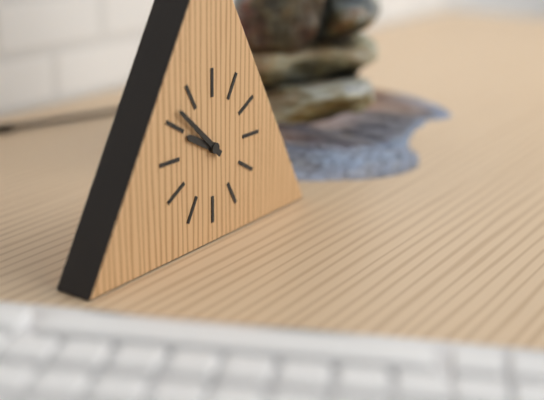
9:52
